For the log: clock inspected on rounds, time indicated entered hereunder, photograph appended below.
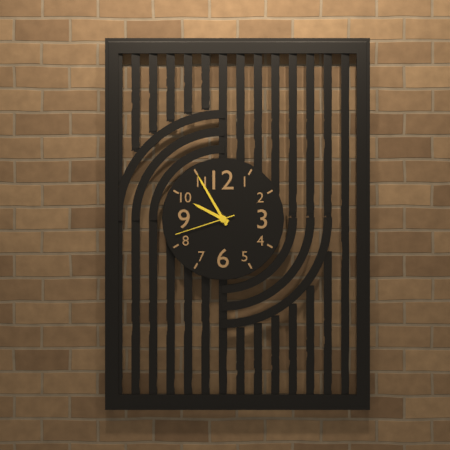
9:55:42
